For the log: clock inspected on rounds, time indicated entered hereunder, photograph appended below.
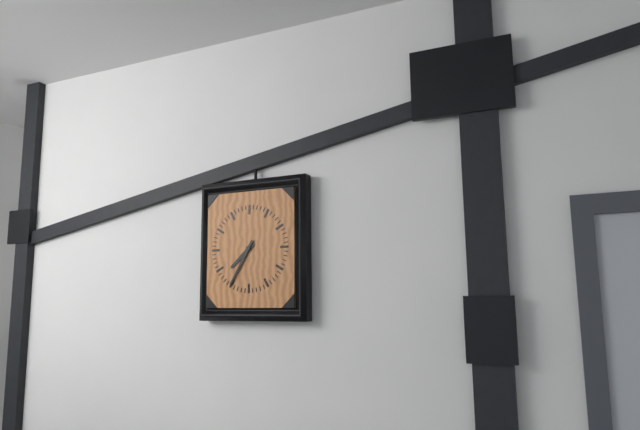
7:35
